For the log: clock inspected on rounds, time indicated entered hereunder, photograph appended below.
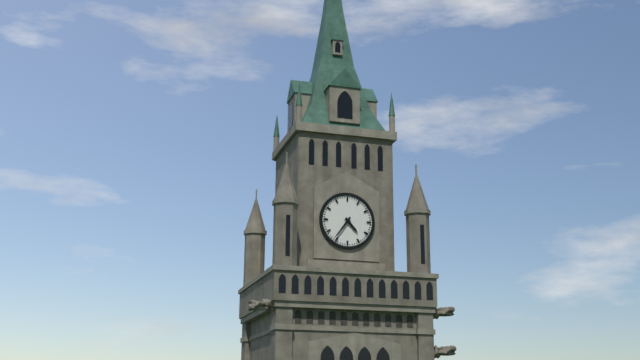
4:36
